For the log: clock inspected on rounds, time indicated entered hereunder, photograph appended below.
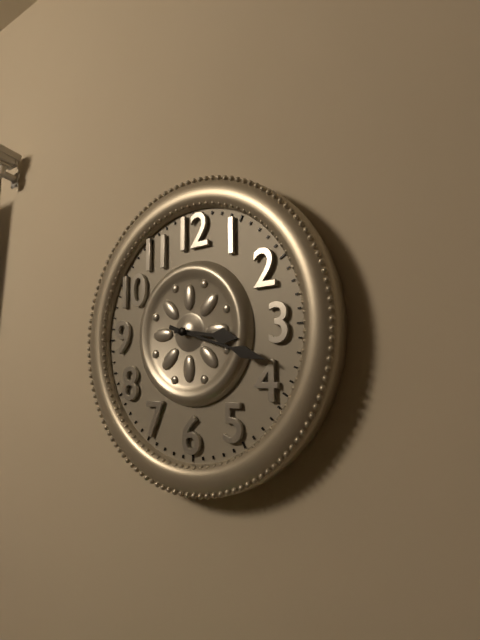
3:18
